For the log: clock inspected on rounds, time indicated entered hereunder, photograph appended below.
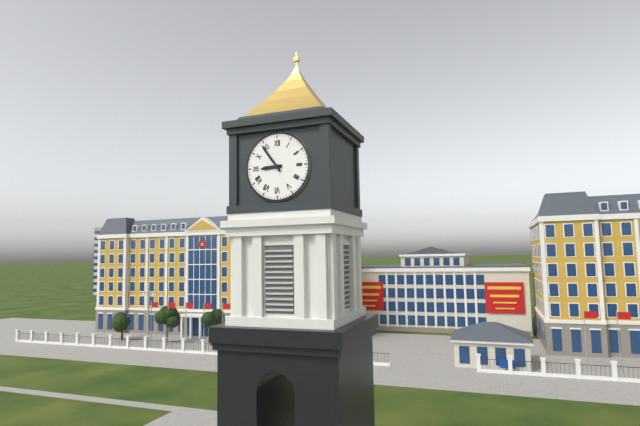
8:54
